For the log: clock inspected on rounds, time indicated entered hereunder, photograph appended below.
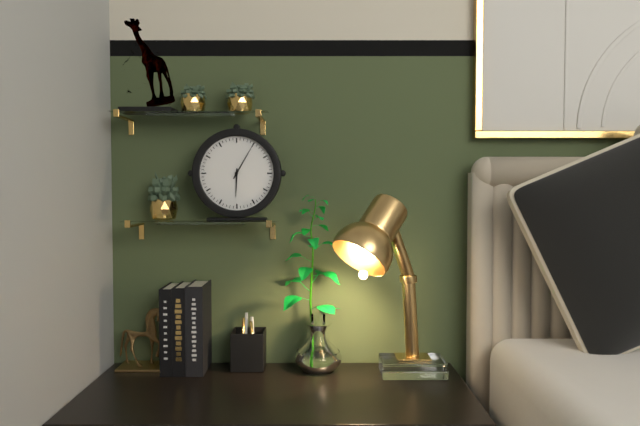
6:05
